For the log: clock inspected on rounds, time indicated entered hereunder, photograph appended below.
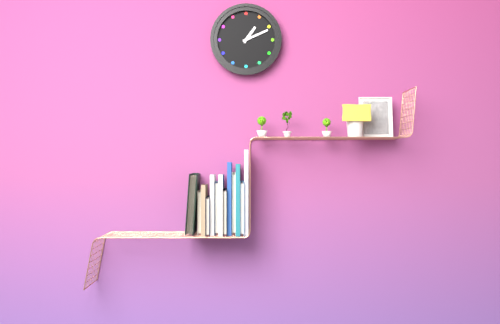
1:11
